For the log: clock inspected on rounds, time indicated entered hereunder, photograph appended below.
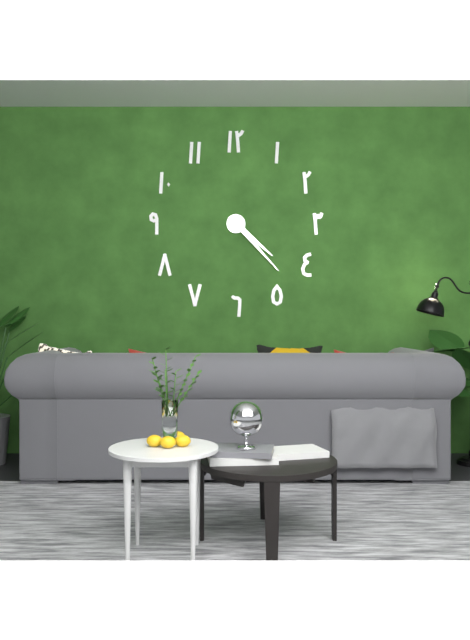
4:23
